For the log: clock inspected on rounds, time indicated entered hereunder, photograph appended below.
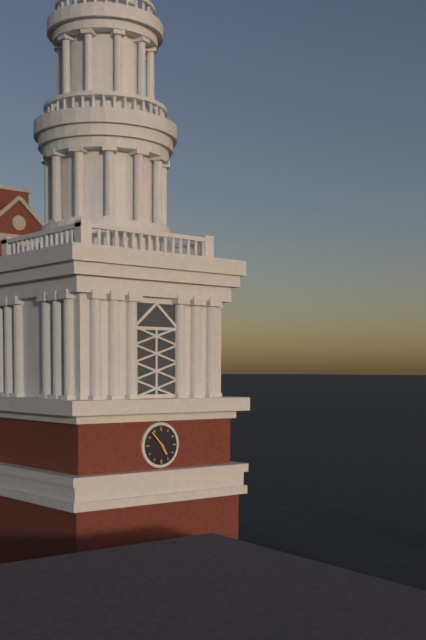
4:53
